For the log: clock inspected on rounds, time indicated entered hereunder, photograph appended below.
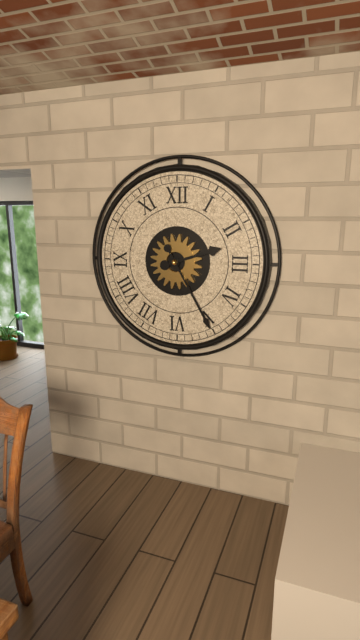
2:25
